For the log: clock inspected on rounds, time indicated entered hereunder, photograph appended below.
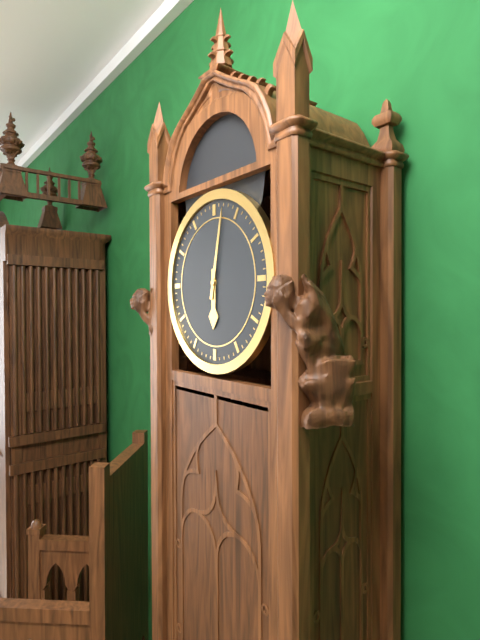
6:02
